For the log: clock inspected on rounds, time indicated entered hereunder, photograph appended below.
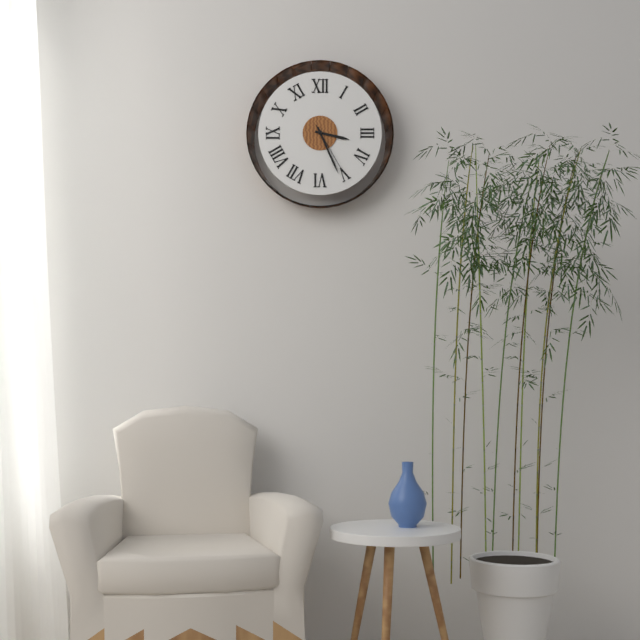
3:26:25
